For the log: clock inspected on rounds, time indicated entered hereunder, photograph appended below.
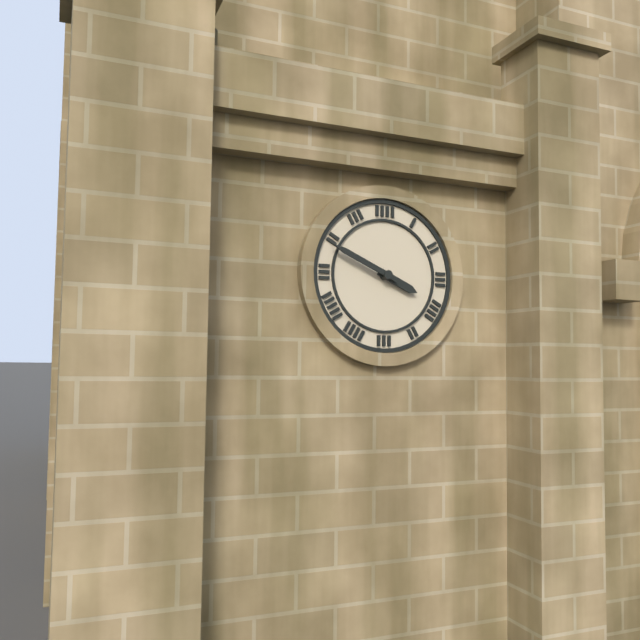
3:49
